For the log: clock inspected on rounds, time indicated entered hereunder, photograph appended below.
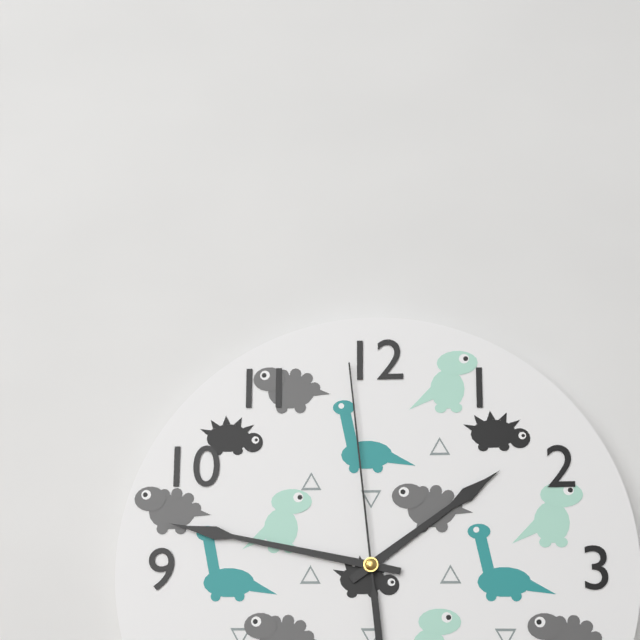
1:47:59
